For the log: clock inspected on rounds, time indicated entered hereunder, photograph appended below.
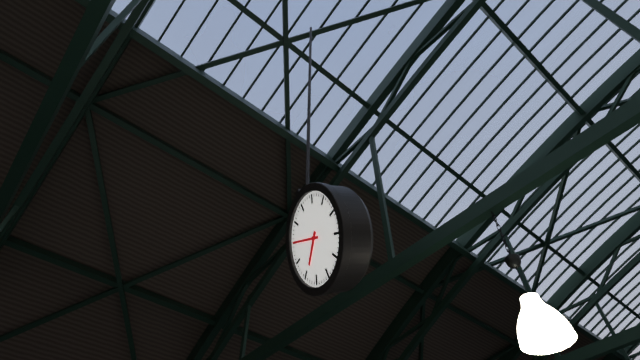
7:50
